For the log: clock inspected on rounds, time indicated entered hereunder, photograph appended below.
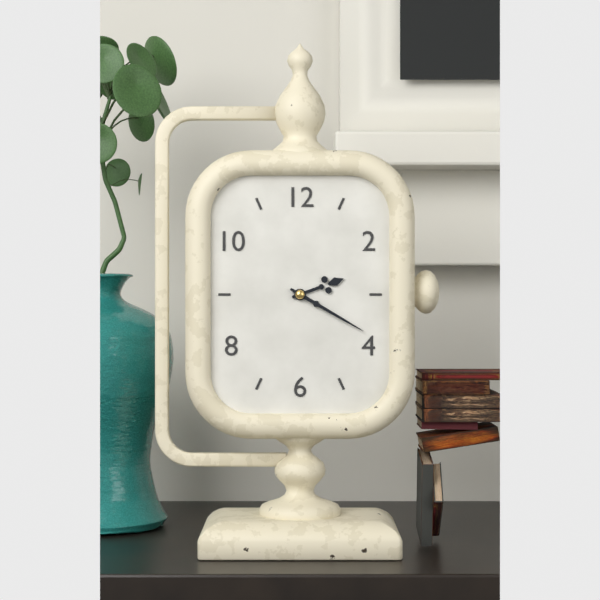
2:20
